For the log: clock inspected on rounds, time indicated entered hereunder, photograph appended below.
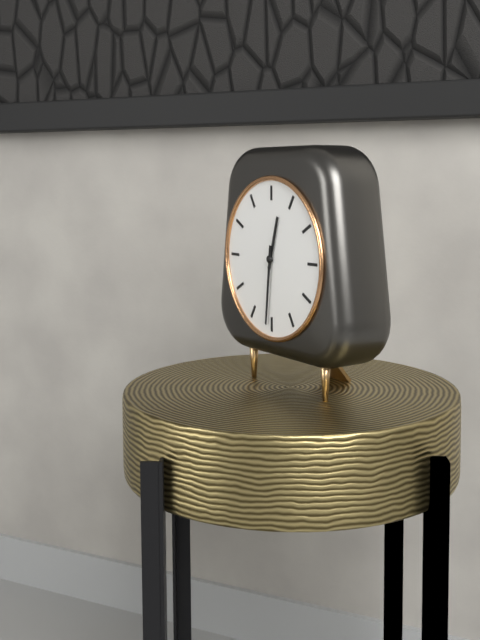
12:31
